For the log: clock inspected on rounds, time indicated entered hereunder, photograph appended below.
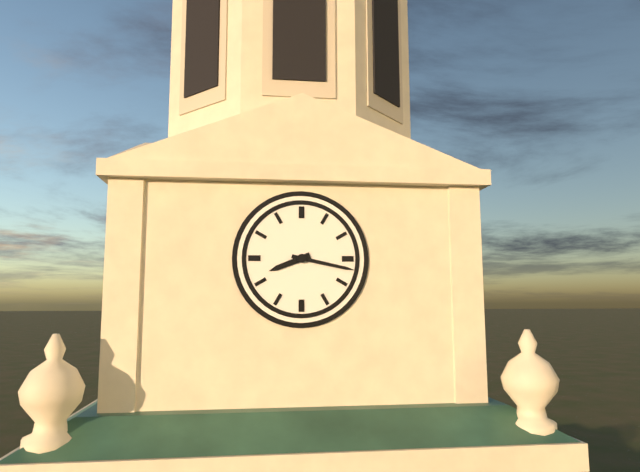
8:17
